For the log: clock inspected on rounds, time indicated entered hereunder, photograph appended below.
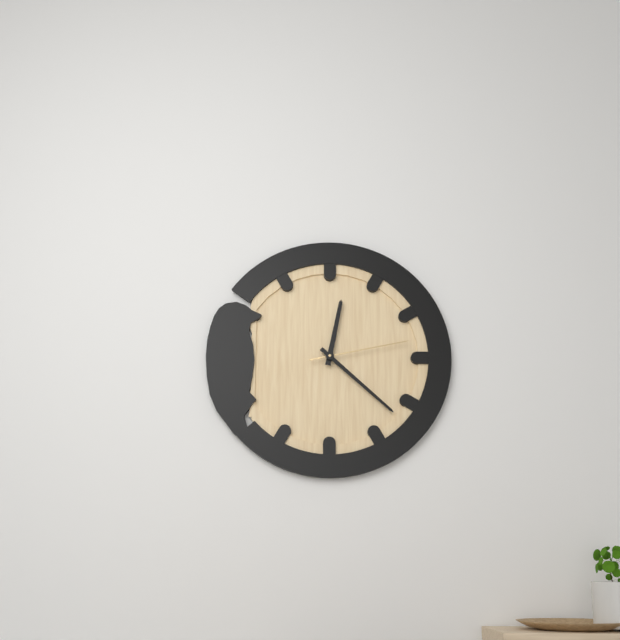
12:22:13
